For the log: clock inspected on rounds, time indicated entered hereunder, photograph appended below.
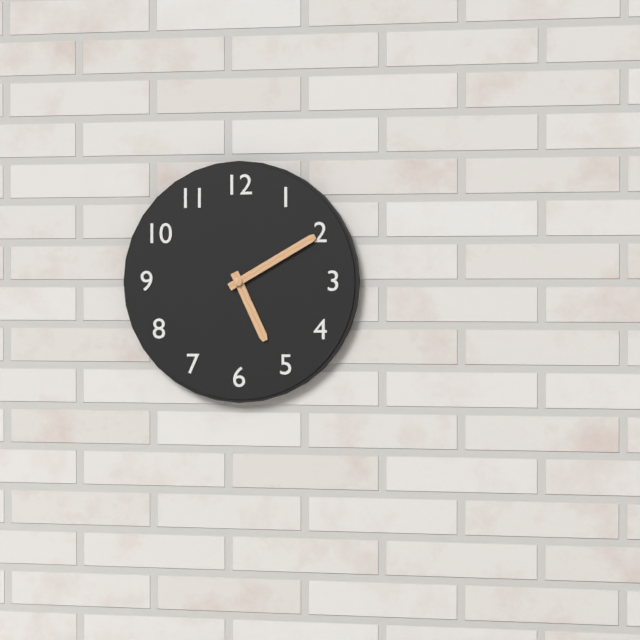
5:10
